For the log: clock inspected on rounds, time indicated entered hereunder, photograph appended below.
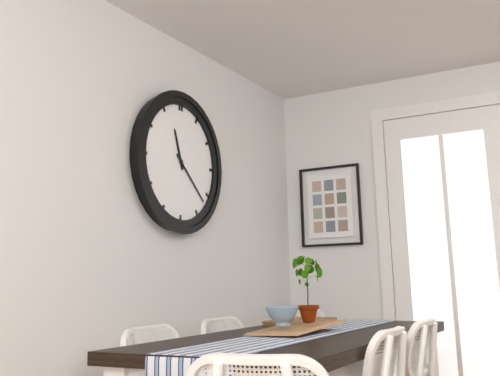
11:22
